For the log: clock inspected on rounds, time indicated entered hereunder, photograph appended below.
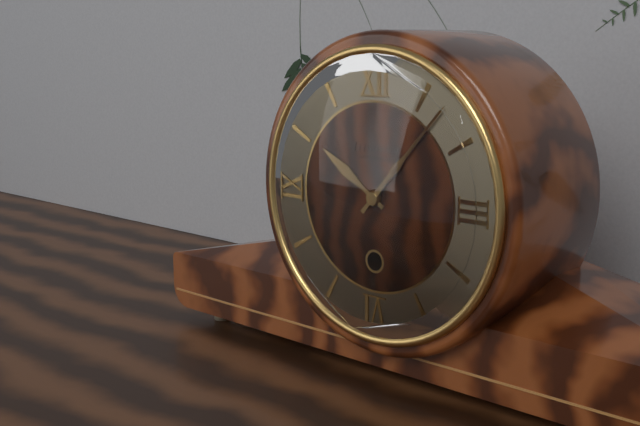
10:07
